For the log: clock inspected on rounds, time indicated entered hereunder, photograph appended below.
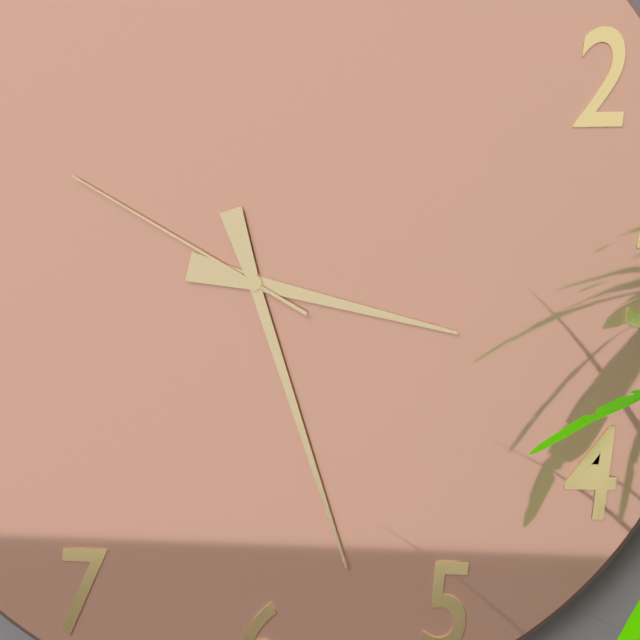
3:27:50
